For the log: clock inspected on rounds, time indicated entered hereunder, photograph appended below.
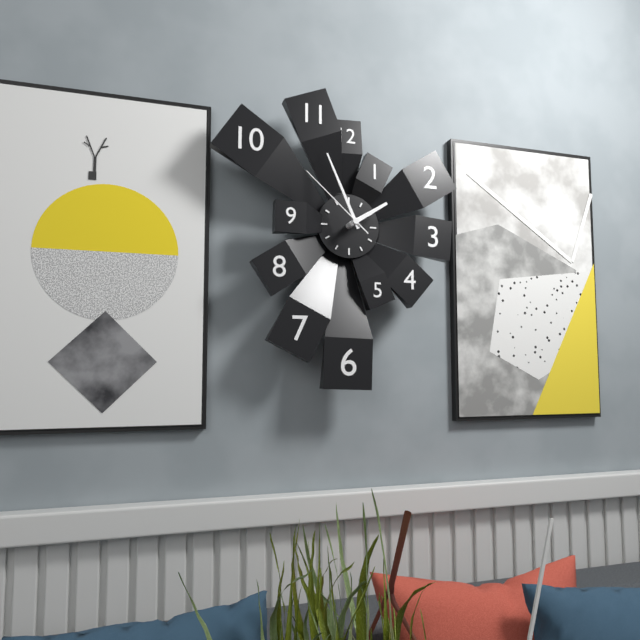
1:56:52
